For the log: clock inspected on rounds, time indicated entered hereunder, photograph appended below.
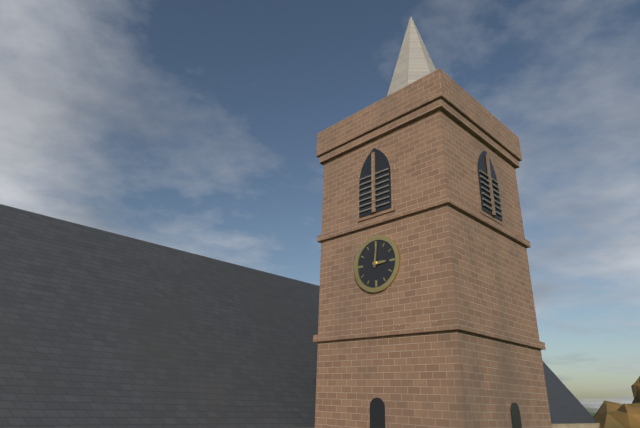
3:01
